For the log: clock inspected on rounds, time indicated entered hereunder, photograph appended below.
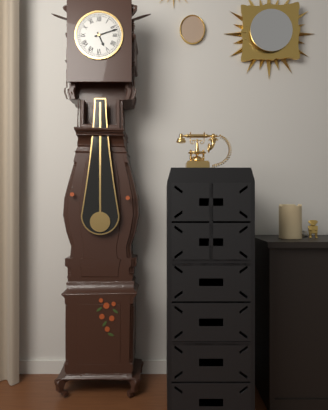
5:12
